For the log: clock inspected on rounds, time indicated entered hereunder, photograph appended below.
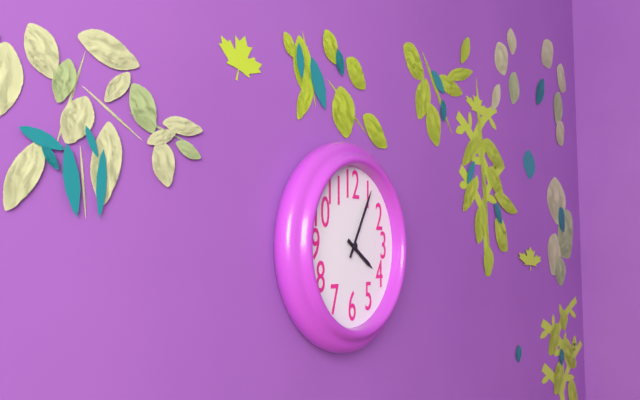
4:05
